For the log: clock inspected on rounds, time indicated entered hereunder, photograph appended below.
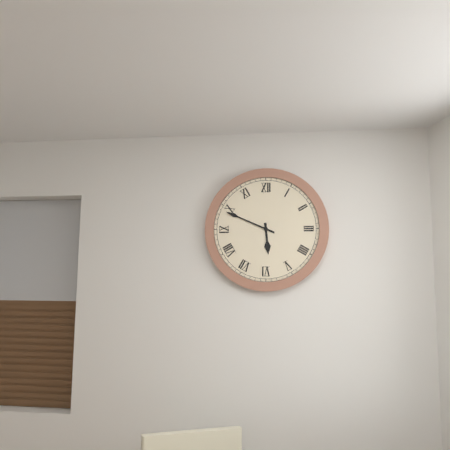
5:49
